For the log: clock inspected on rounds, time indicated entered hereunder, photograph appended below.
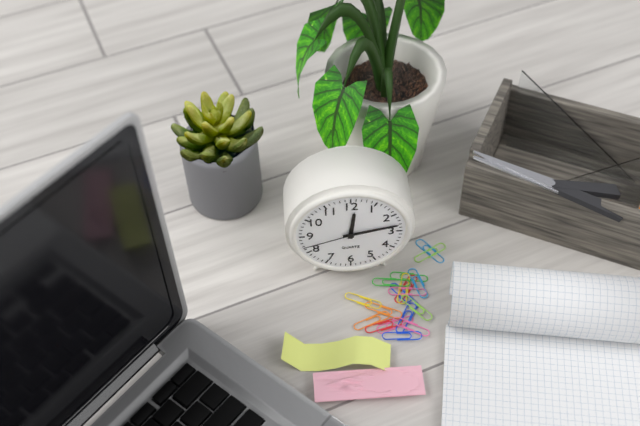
12:13:42
